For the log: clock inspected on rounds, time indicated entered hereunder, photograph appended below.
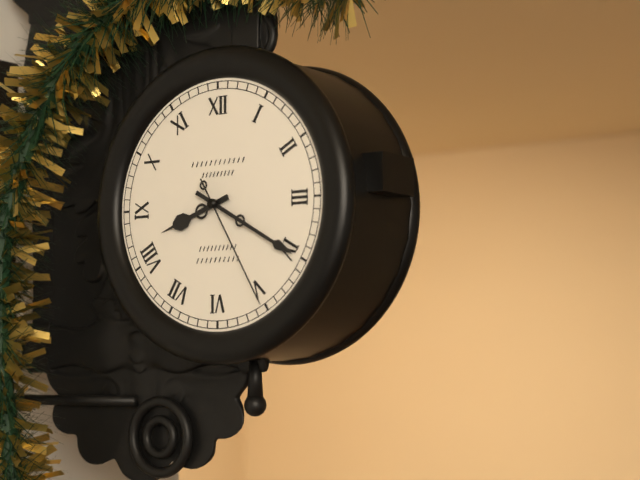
8:20:25
